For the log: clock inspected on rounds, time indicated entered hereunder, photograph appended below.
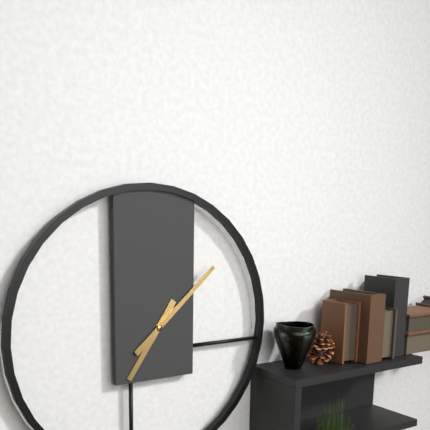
7:08
